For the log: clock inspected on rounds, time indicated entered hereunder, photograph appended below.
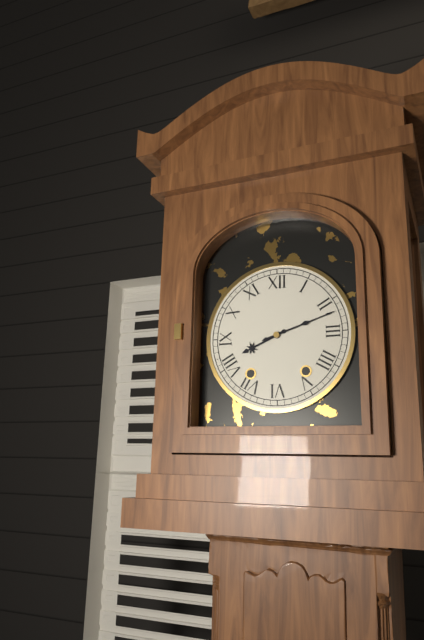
8:12
